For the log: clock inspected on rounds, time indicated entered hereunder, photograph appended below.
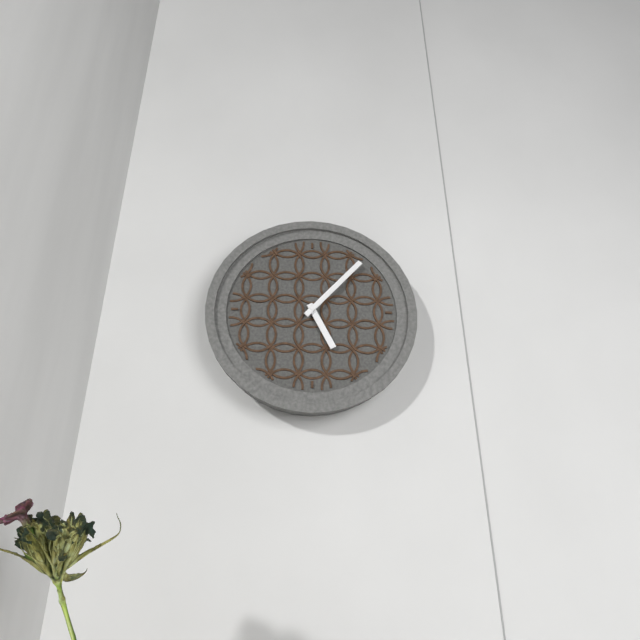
5:07
